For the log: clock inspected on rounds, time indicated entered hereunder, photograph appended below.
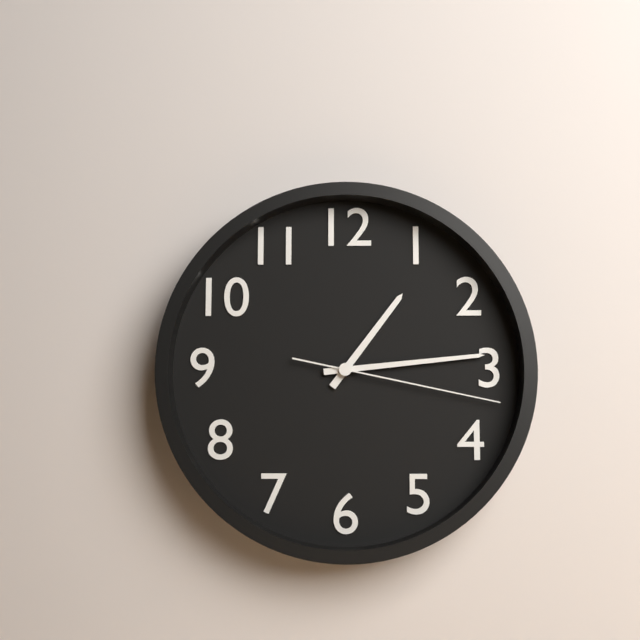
1:14:17
